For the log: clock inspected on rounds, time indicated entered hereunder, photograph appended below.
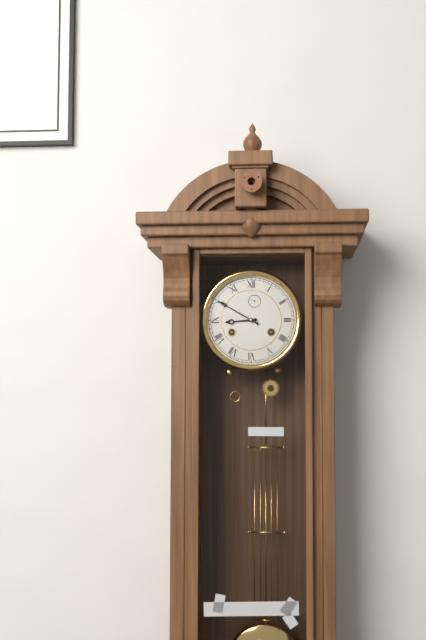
8:50
